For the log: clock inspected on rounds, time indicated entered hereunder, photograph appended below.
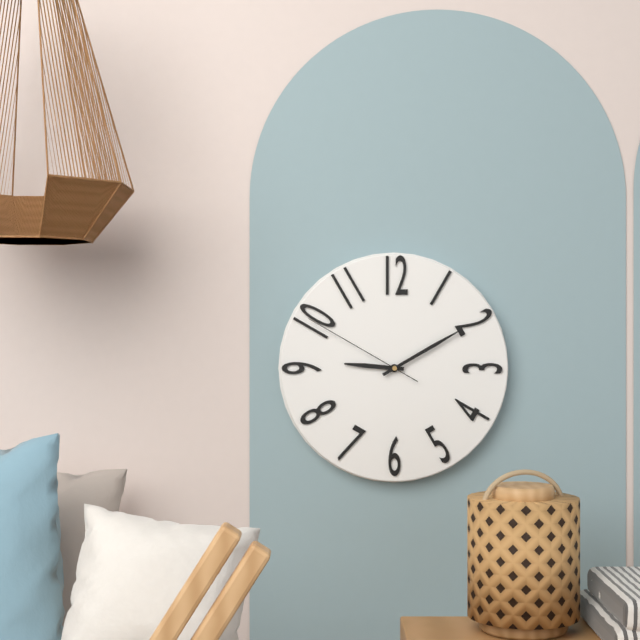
9:10:50
